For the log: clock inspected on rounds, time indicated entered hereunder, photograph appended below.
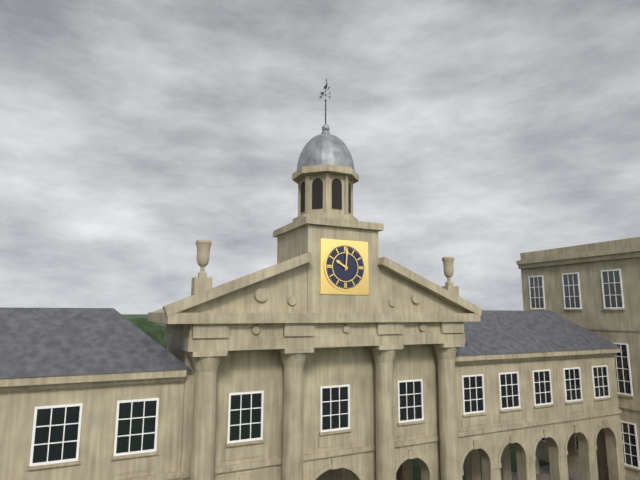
10:01
